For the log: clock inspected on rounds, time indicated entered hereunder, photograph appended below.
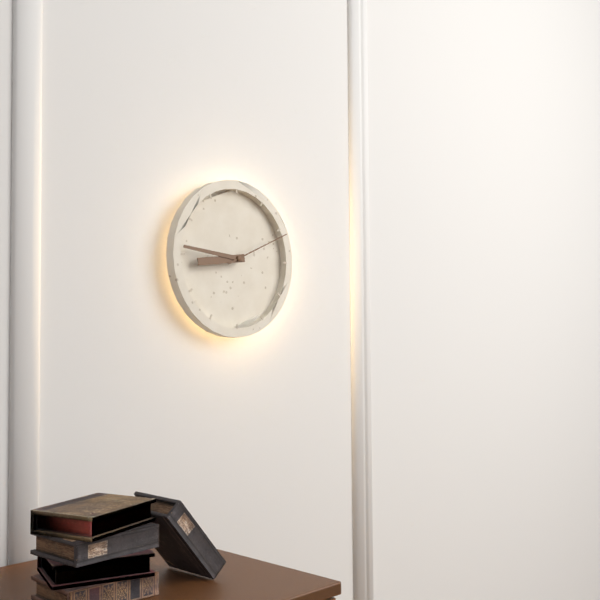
8:46:11
